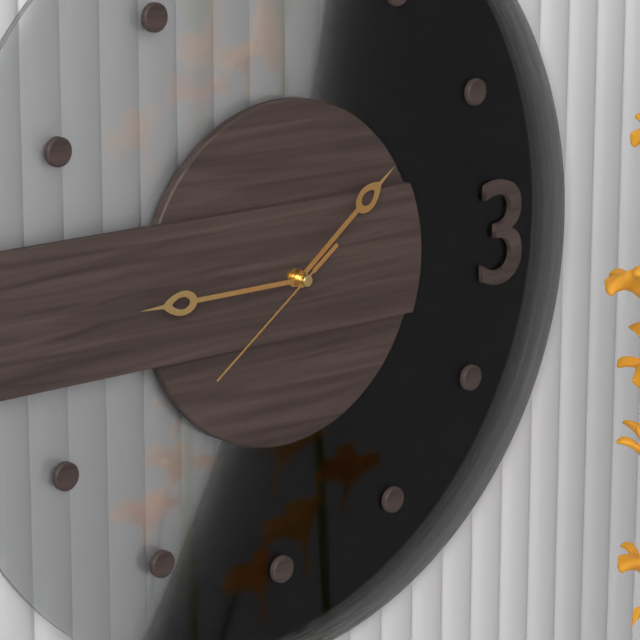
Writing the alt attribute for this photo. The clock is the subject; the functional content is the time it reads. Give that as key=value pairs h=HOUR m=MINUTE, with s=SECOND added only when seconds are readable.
h=1 m=45 s=39
